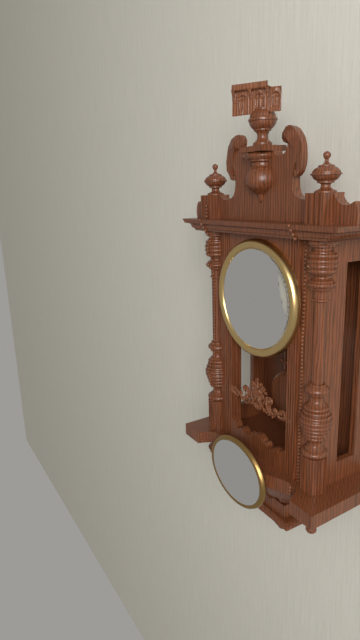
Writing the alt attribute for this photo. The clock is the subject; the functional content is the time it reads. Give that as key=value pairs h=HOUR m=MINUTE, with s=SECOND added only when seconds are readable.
h=12 m=4
